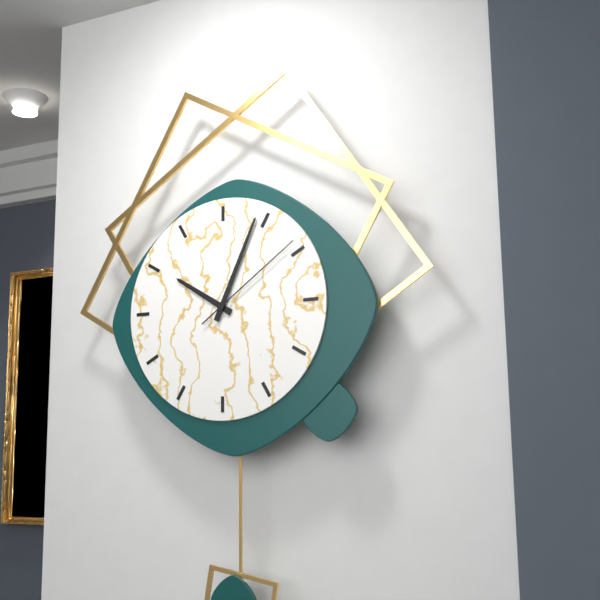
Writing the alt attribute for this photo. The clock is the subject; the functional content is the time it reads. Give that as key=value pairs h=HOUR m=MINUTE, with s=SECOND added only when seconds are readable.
h=10 m=4 s=9
